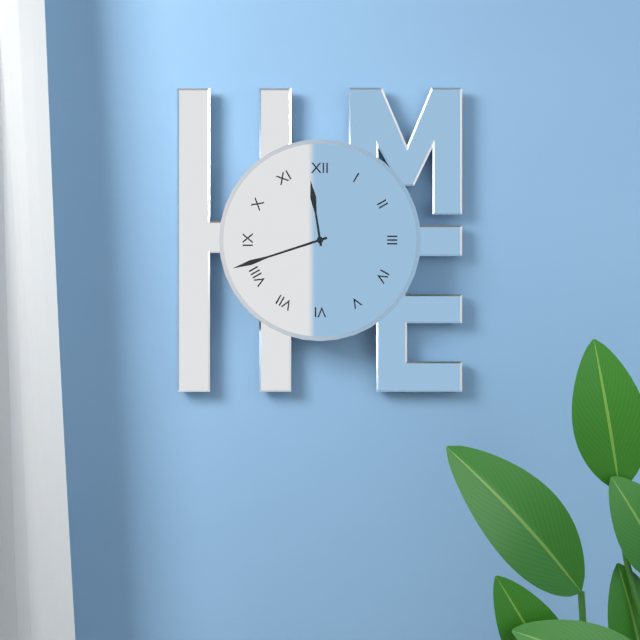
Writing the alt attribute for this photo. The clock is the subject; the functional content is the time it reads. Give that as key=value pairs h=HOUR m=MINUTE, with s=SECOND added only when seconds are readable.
h=11 m=42
